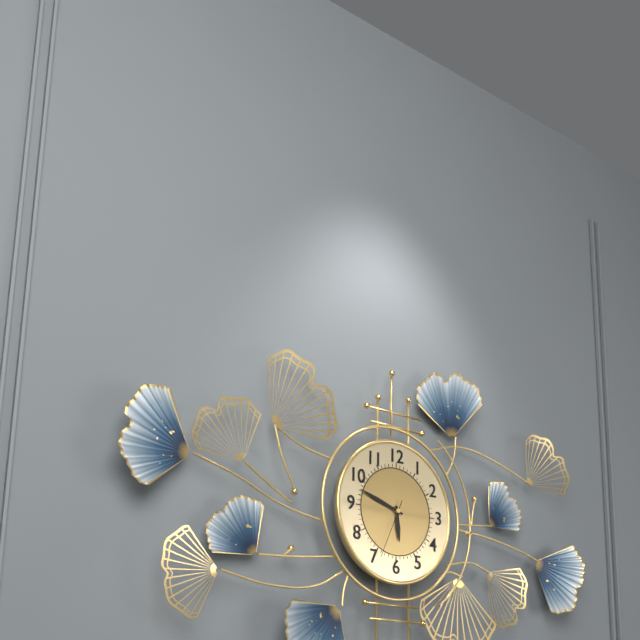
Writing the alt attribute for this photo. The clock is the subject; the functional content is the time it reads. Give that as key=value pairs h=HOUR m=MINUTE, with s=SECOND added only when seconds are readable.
h=5 m=48 s=34
